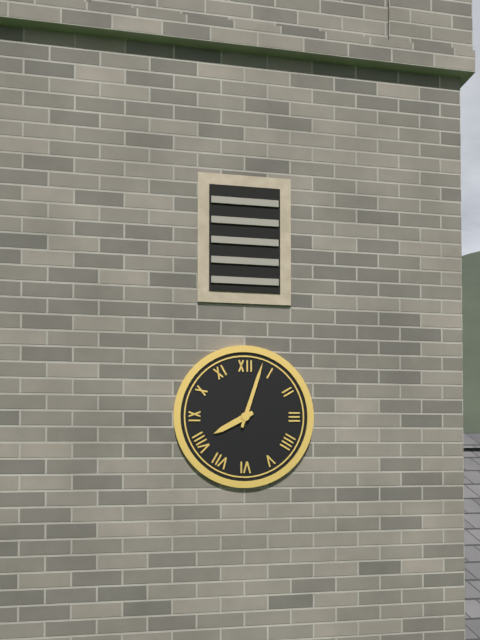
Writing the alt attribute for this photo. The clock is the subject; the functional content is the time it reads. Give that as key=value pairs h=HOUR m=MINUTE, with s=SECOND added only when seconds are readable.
h=8 m=3
